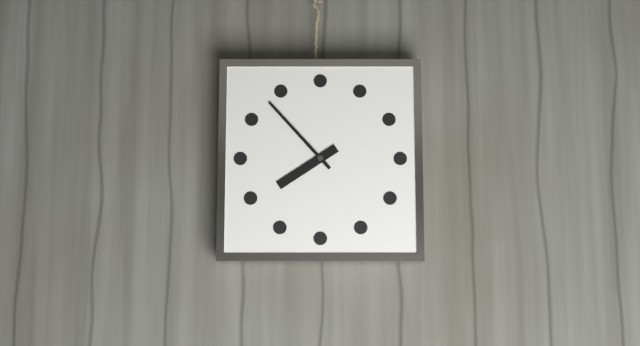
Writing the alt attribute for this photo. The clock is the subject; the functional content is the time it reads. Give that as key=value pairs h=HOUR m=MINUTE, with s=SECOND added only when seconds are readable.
h=7 m=53
